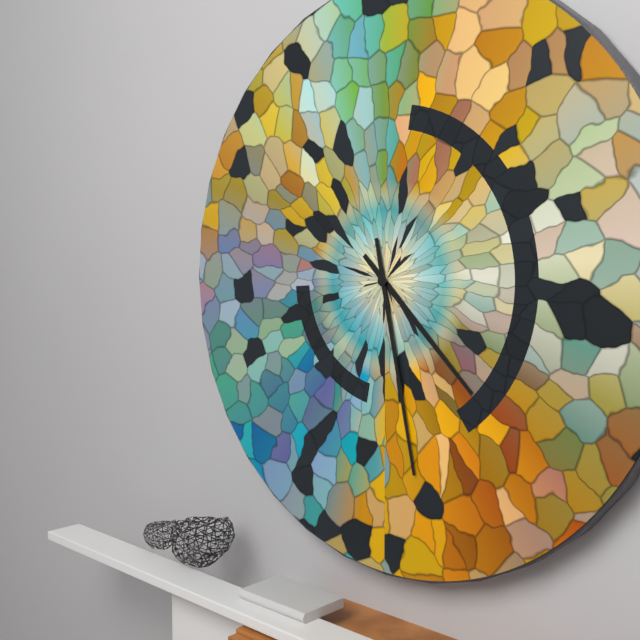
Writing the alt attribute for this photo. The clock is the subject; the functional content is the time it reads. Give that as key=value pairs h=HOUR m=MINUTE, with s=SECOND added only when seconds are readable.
h=4 m=28
